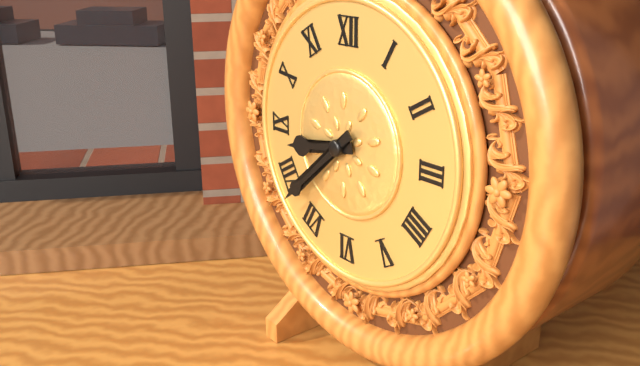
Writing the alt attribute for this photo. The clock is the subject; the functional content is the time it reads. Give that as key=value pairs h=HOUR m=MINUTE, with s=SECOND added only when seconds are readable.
h=8 m=38
